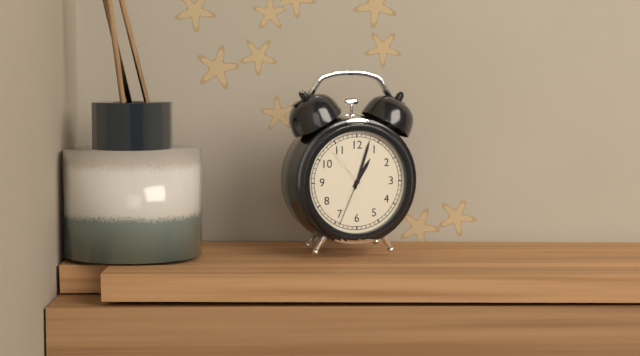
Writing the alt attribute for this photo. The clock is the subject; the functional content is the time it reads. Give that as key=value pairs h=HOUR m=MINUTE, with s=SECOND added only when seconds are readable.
h=1 m=3 s=34
